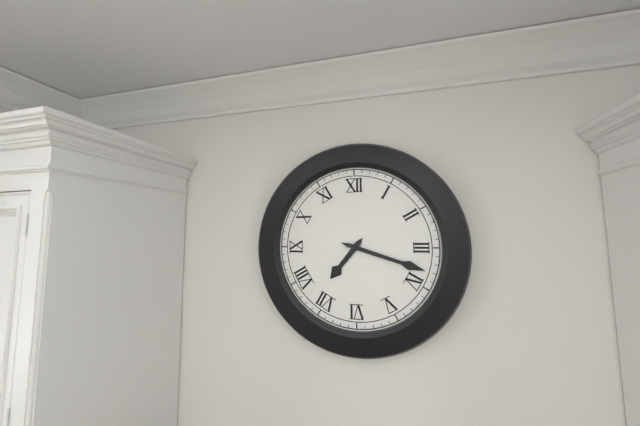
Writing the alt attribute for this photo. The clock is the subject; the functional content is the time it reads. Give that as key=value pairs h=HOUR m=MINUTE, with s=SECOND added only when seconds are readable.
h=7 m=18
